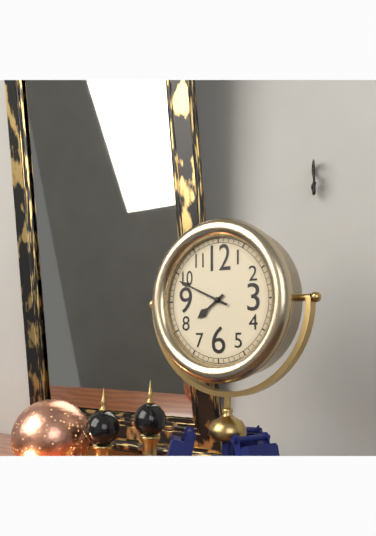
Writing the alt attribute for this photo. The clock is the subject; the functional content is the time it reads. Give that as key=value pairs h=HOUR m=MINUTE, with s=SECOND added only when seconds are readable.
h=7 m=49
